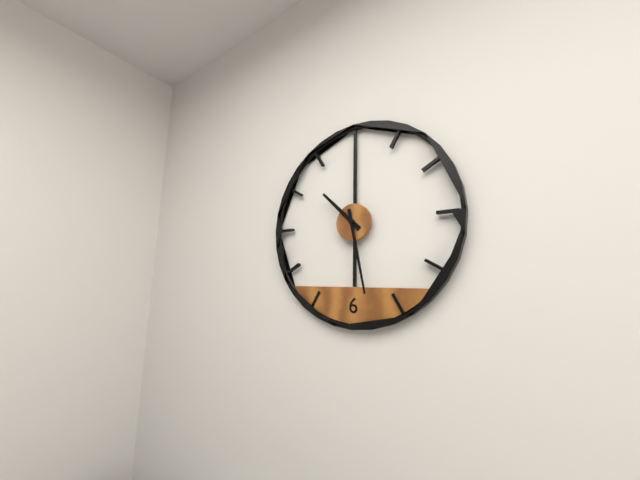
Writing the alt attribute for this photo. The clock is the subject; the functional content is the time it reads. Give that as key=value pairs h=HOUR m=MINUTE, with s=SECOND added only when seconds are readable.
h=10 m=28
